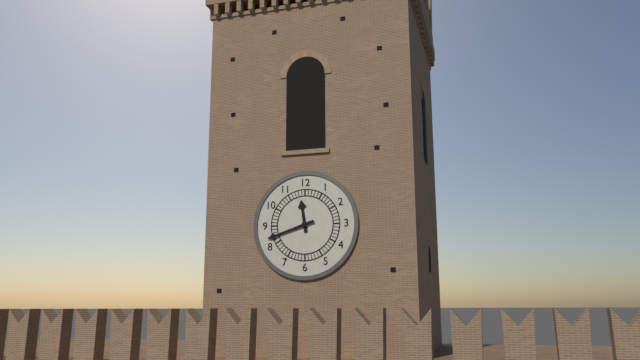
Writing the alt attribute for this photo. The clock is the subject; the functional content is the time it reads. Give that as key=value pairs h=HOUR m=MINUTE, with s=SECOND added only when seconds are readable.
h=11 m=42
